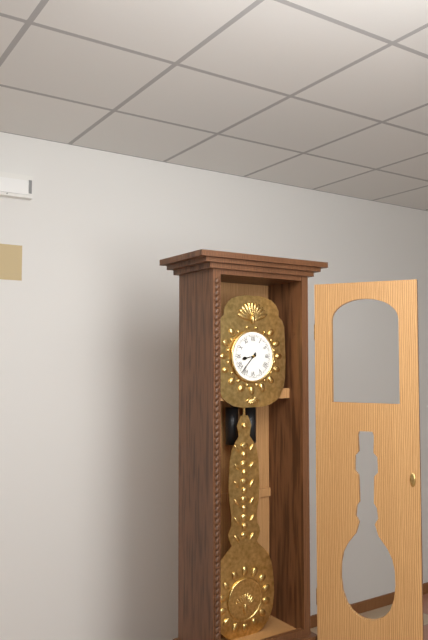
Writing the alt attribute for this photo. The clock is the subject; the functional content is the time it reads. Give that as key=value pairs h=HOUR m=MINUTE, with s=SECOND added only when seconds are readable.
h=8 m=37
